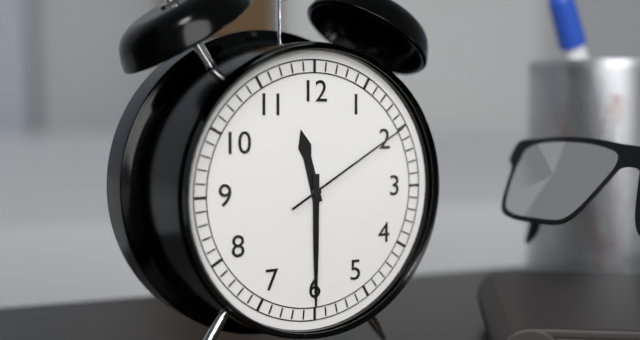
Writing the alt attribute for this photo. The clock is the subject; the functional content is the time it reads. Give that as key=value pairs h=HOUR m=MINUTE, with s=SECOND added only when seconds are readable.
h=11 m=30 s=10
